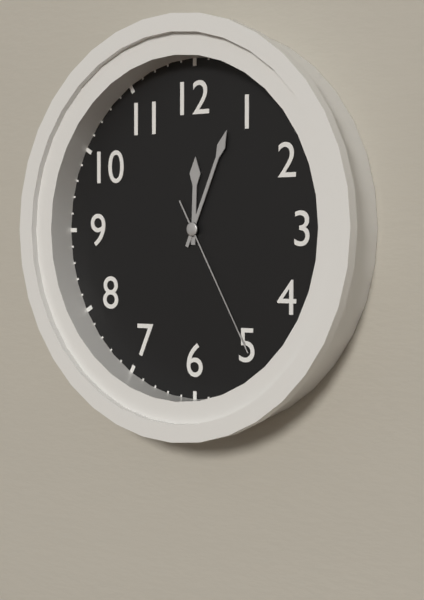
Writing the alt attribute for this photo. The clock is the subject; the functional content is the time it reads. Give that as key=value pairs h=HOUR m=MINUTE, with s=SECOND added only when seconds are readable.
h=12 m=4 s=25
